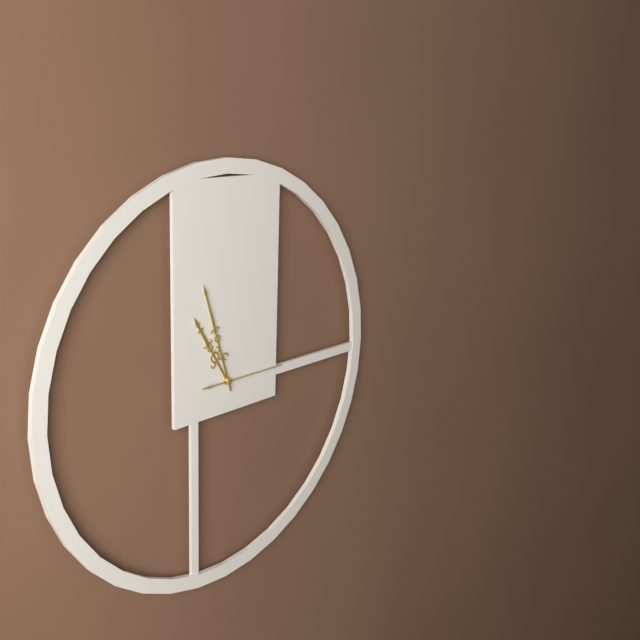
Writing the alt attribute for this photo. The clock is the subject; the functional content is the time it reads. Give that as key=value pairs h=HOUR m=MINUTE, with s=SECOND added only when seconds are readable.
h=10 m=57 s=15
